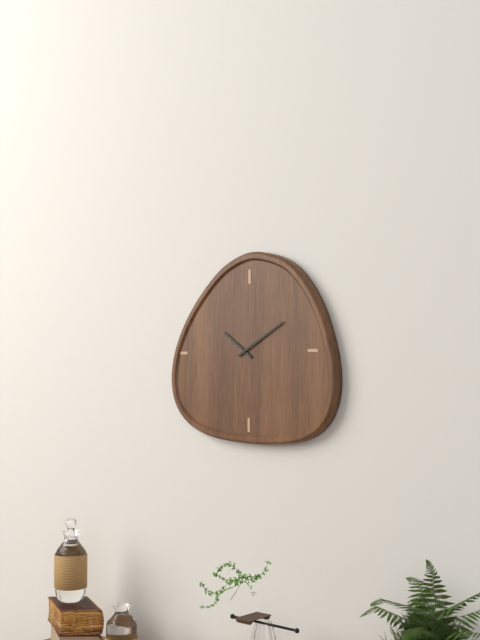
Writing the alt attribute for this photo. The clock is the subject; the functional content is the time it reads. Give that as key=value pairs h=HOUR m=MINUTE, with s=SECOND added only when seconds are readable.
h=10 m=10
